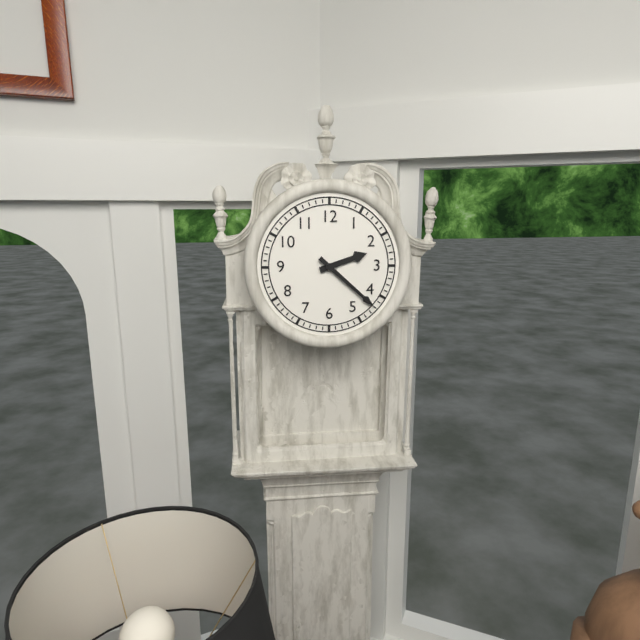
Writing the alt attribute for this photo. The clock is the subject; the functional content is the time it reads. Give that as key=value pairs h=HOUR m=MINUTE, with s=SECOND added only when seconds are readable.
h=2 m=22
